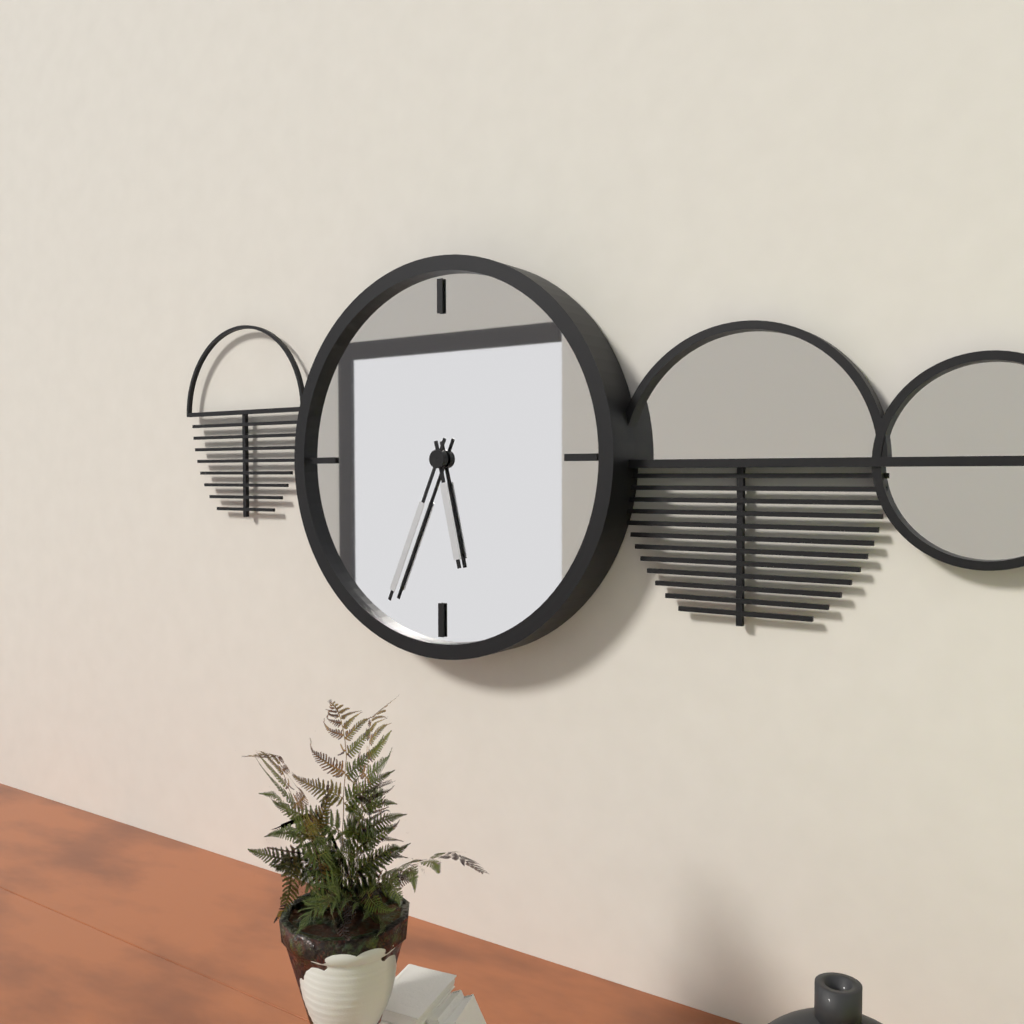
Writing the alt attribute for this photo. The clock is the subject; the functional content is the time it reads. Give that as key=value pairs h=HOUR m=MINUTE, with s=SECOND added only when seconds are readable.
h=5 m=34
